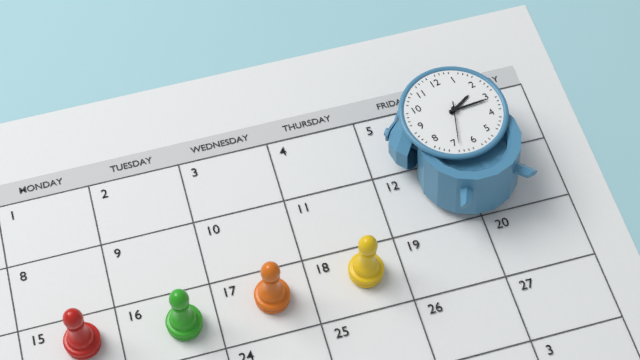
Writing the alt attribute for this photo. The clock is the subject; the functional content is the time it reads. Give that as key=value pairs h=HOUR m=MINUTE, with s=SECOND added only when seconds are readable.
h=2 m=16
